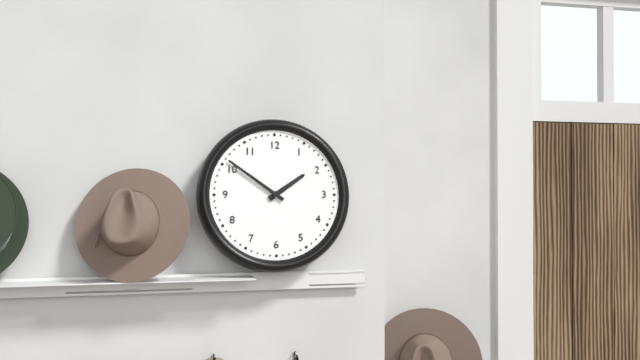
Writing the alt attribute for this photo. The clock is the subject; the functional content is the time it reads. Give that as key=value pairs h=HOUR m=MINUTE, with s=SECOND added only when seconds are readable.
h=1 m=51
